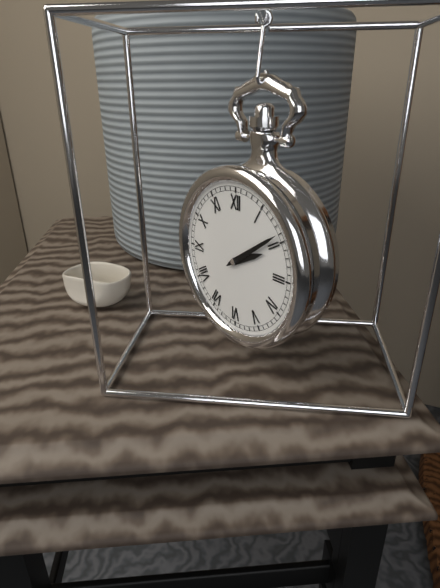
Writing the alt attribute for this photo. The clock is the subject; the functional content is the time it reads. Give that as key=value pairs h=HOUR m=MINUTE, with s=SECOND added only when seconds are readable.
h=2 m=9
